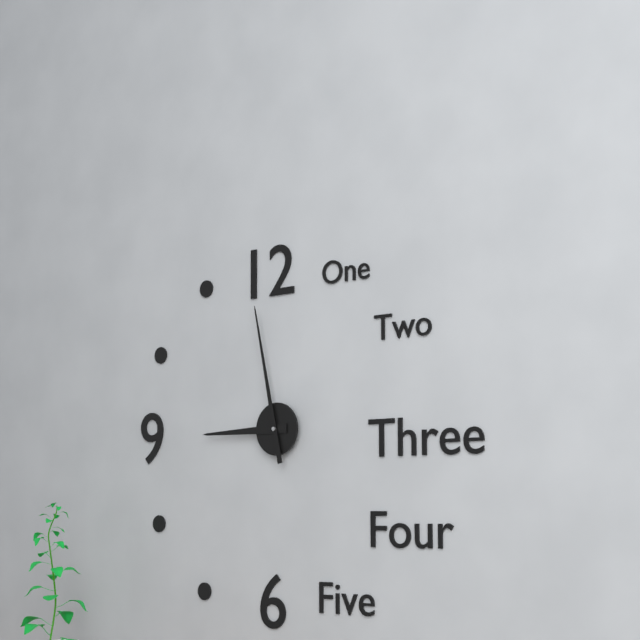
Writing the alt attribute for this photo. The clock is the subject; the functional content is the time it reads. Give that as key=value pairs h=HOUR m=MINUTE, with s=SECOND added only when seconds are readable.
h=8 m=58
